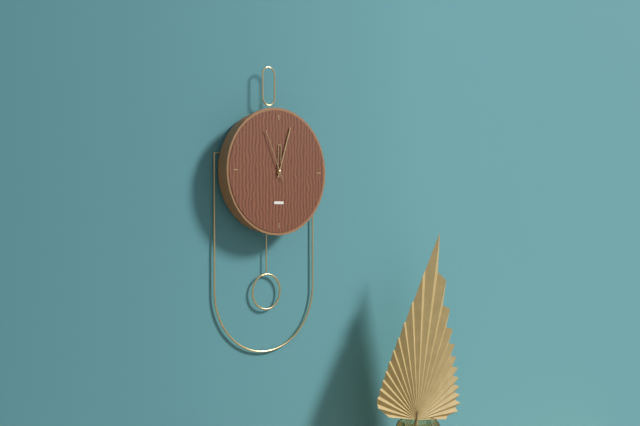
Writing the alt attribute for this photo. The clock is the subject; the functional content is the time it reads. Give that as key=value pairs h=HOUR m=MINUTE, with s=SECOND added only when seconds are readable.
h=12 m=3 s=56
